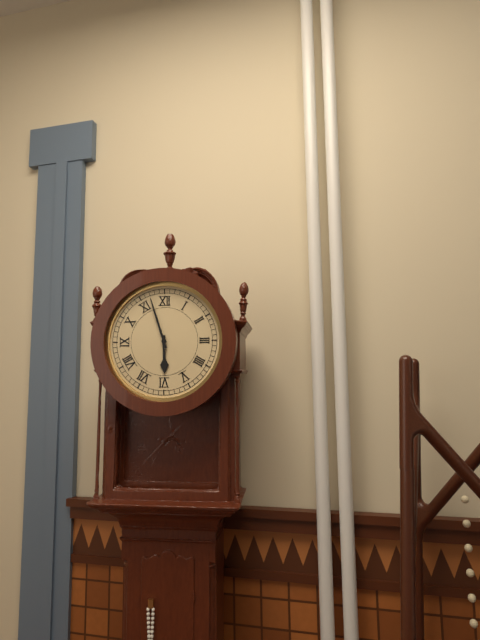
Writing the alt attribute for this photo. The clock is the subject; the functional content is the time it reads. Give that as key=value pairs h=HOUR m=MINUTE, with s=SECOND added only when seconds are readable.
h=5 m=57
